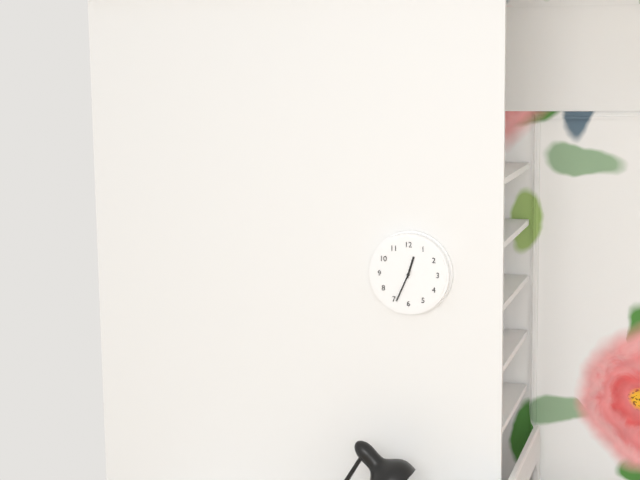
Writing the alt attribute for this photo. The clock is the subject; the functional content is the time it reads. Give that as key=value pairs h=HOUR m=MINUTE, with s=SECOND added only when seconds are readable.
h=12 m=34
